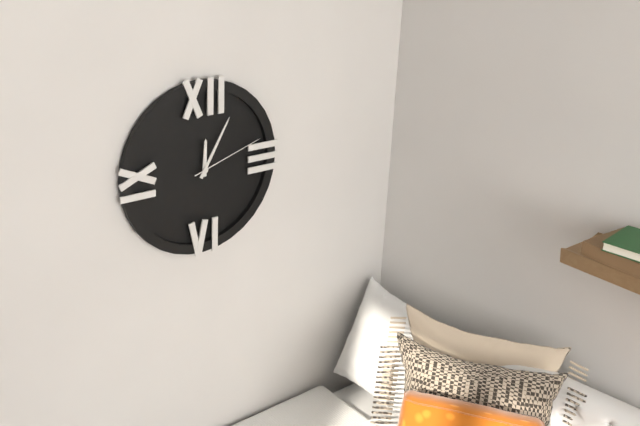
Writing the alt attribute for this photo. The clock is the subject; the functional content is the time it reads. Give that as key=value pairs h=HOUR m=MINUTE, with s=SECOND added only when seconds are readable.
h=12 m=5 s=12
